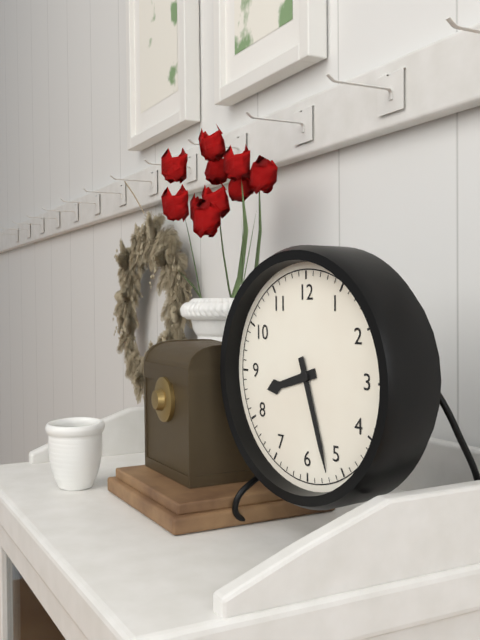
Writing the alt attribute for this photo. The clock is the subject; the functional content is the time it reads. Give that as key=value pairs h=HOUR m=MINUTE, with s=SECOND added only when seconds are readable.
h=8 m=27
